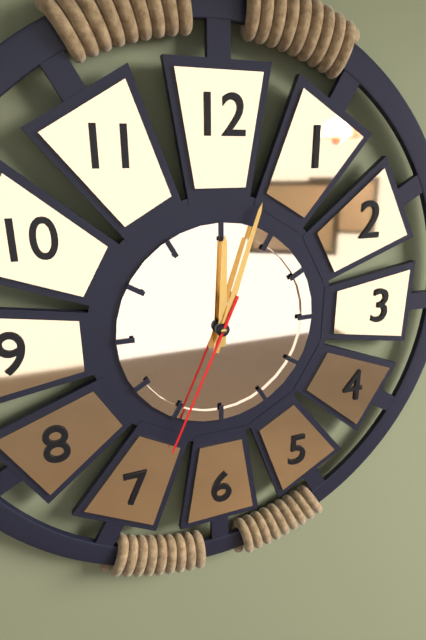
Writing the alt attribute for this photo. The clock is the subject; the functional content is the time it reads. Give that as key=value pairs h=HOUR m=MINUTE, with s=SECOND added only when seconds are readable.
h=12 m=3 s=34
